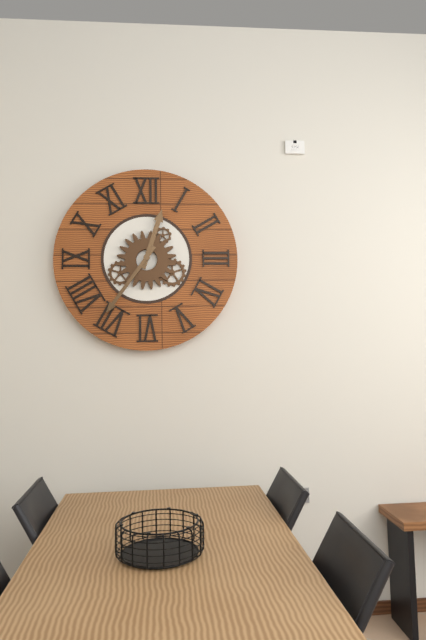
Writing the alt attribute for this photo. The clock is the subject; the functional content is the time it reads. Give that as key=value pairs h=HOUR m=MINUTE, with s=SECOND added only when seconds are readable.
h=12 m=36
